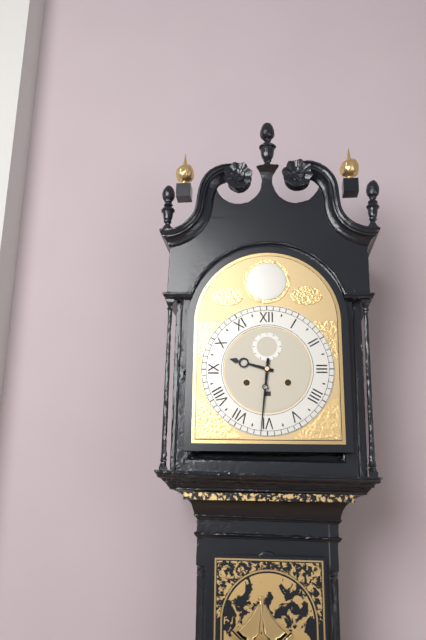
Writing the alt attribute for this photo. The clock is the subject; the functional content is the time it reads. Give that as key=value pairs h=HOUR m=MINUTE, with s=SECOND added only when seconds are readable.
h=9 m=31
